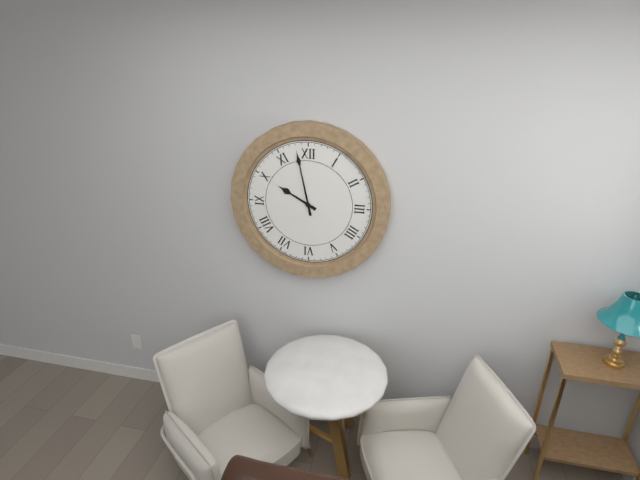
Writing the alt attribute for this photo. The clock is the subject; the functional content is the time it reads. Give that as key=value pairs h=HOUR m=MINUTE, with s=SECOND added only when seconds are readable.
h=9 m=58
